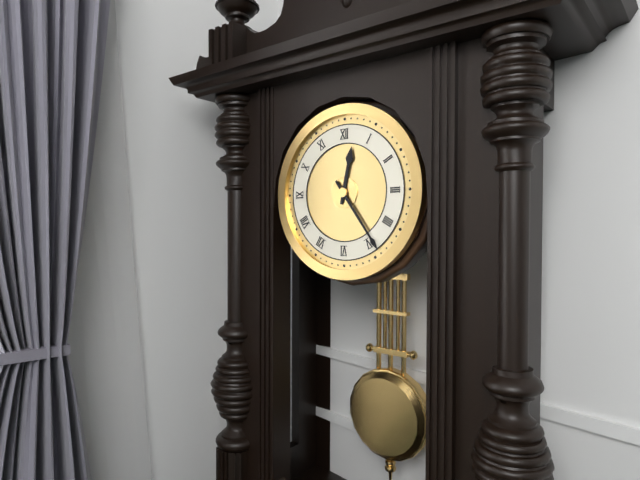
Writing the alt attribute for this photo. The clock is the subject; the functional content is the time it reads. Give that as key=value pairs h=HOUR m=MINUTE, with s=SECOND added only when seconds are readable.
h=12 m=24
